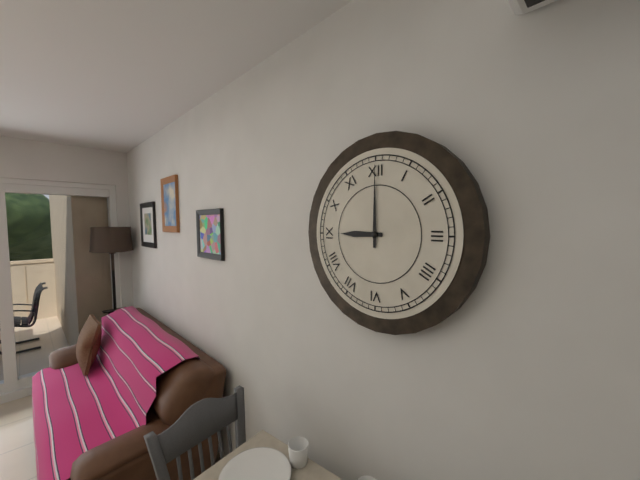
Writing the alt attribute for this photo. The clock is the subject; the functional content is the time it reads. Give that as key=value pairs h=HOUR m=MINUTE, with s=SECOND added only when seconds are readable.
h=9 m=0
